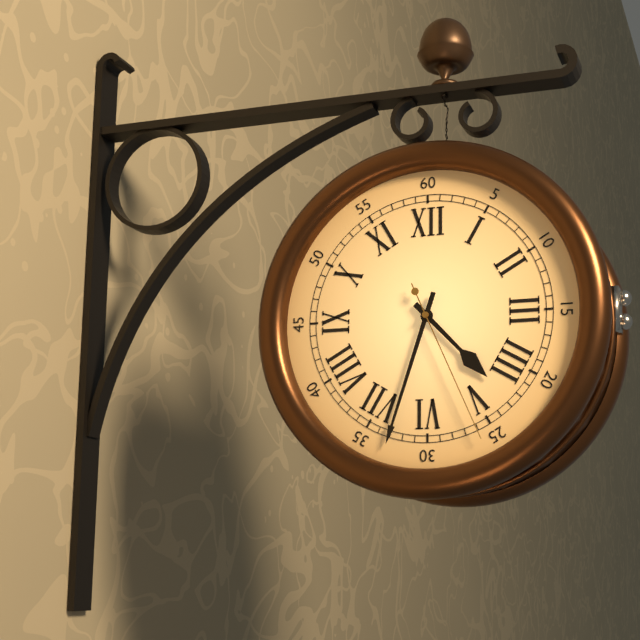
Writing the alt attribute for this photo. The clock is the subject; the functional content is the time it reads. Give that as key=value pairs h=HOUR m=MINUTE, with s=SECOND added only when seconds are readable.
h=4 m=33 s=26
